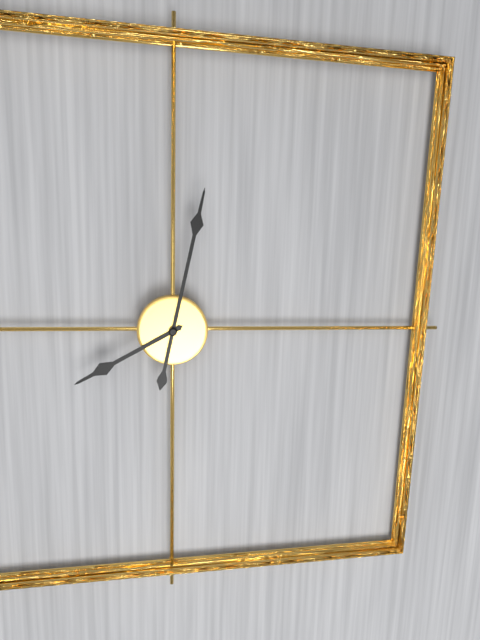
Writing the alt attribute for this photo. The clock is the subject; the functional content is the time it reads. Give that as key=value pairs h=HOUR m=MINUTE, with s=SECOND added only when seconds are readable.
h=8 m=2
